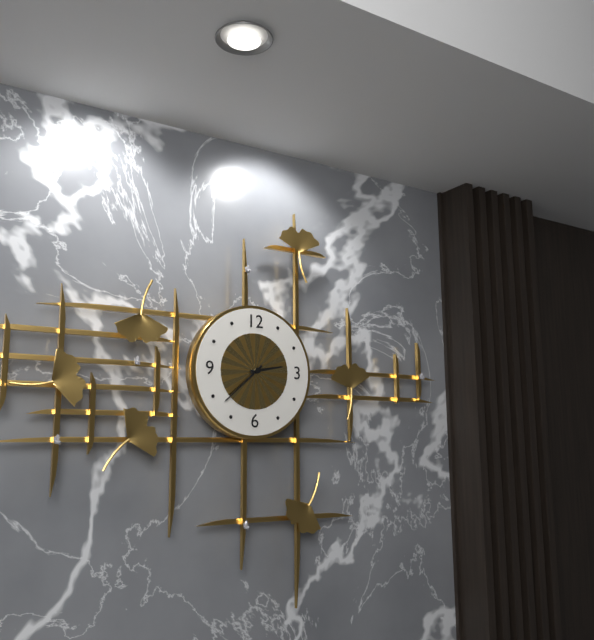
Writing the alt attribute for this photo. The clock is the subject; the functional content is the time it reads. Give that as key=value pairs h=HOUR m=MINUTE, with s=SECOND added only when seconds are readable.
h=2 m=38
